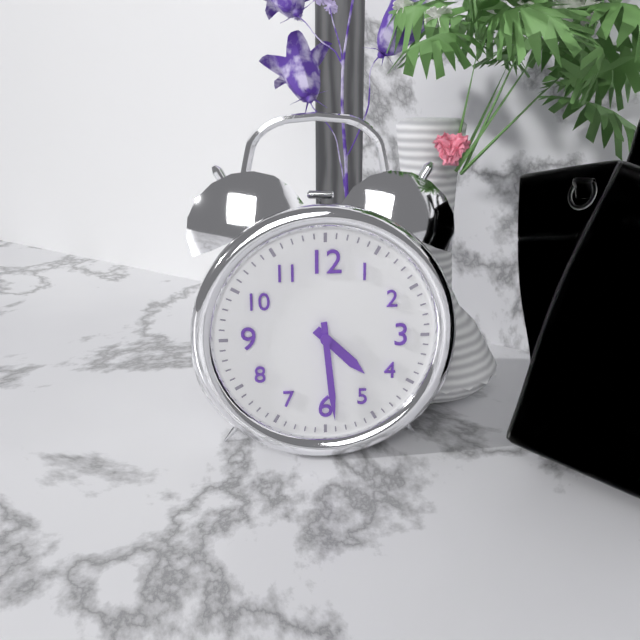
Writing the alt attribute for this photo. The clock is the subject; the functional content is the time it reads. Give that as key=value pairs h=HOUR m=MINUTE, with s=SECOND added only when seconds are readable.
h=4 m=29
